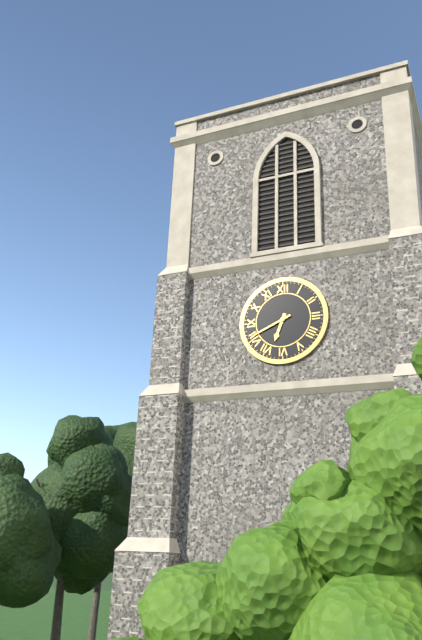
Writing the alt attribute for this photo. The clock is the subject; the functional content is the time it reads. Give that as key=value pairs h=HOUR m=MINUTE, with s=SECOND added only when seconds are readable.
h=6 m=41
